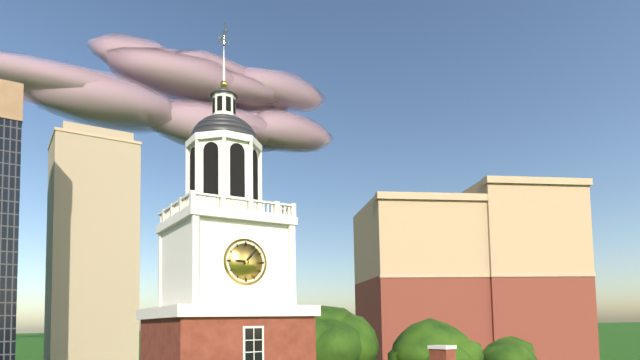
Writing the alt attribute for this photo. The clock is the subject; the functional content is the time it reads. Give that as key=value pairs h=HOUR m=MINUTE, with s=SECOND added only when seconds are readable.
h=9 m=7
